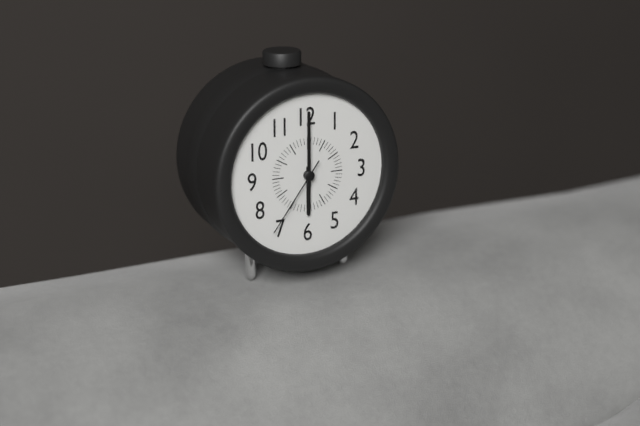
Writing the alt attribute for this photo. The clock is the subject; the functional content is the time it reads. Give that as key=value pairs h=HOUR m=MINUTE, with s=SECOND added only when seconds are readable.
h=6 m=0 s=36
